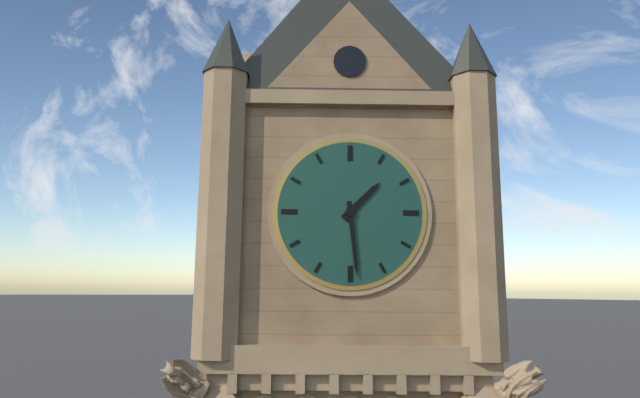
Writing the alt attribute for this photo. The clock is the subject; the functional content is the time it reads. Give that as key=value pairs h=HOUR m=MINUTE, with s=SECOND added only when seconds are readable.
h=1 m=29
